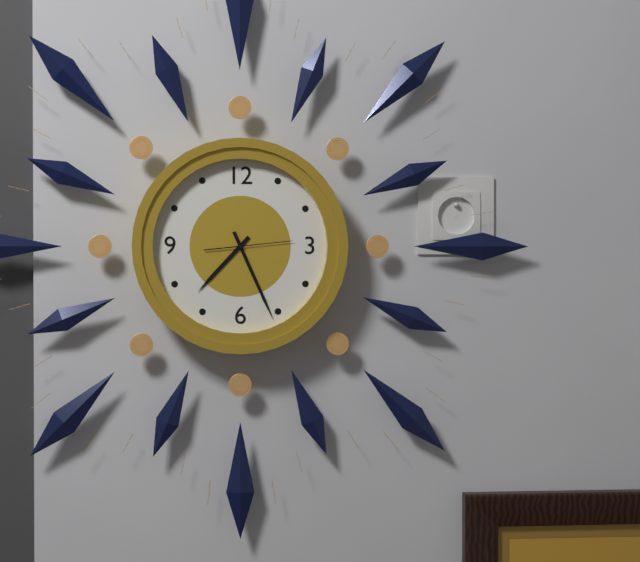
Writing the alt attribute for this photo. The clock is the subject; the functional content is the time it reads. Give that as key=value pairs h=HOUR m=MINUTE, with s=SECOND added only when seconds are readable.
h=7 m=26 s=14
